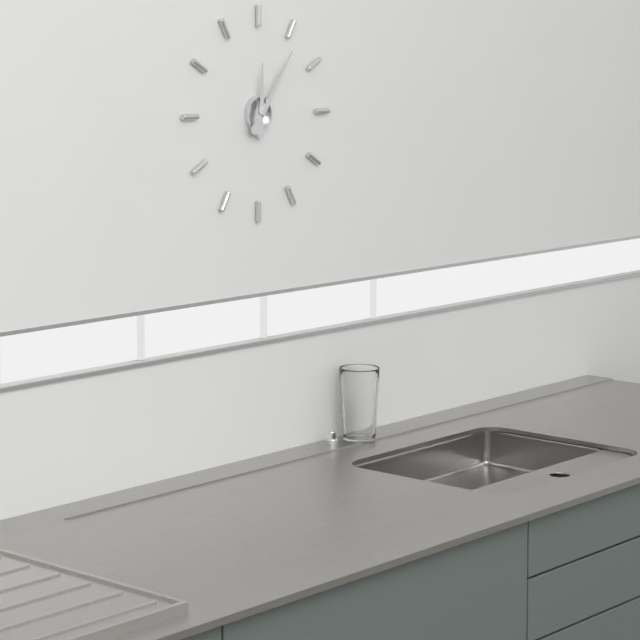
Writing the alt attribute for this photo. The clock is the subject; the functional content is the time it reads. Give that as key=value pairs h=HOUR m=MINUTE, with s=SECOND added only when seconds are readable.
h=12 m=6
